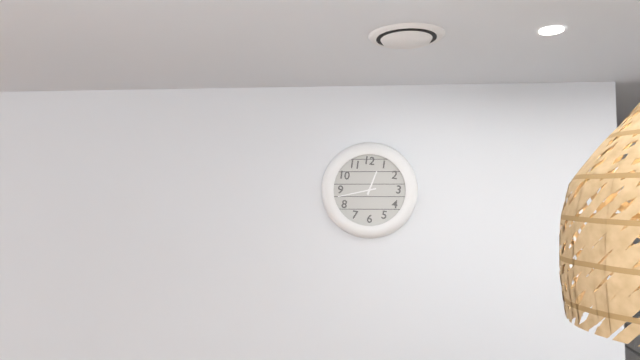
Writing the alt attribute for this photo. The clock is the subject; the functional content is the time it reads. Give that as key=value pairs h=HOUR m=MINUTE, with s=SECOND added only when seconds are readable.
h=12 m=43
